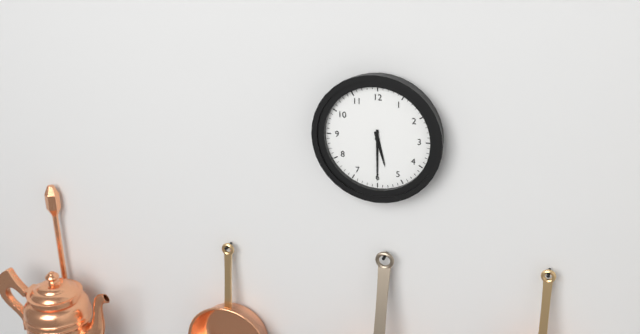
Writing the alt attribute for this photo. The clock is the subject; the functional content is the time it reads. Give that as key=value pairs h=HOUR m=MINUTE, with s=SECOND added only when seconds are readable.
h=5 m=30
